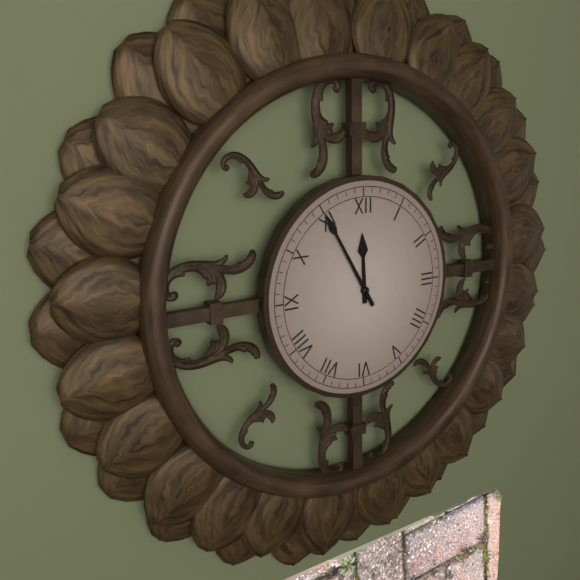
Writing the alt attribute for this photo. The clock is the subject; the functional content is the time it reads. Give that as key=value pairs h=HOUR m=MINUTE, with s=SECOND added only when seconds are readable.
h=11 m=55
